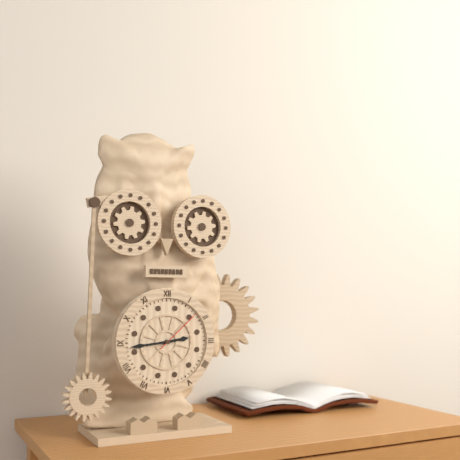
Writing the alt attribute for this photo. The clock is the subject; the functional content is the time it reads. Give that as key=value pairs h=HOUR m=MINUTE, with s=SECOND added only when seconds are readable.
h=2 m=44 s=8
